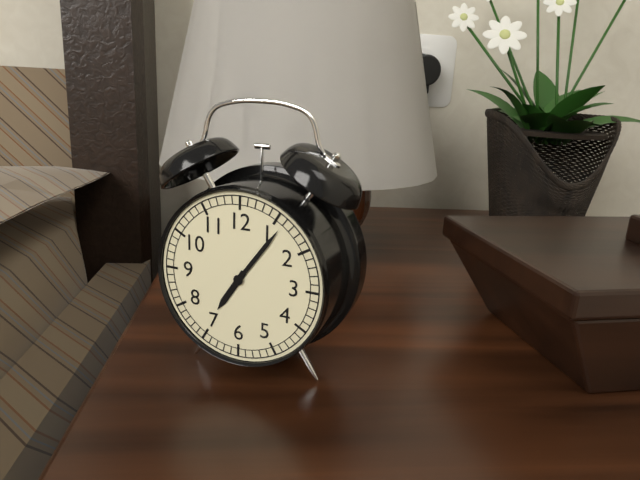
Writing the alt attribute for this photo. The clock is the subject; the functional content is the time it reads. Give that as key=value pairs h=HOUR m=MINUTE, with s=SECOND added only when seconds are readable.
h=7 m=6
